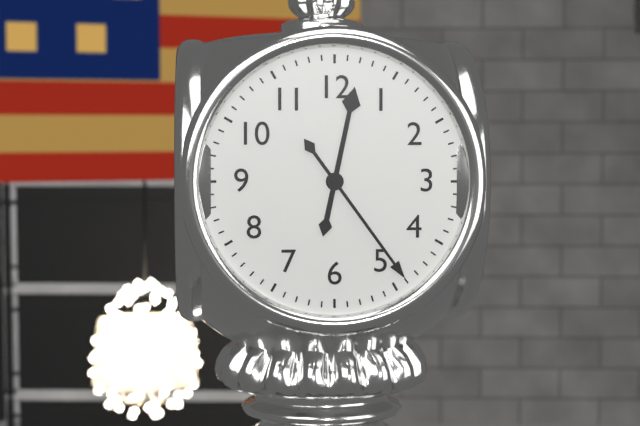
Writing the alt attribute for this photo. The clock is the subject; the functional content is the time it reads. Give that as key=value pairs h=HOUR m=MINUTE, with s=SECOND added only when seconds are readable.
h=12 m=24
